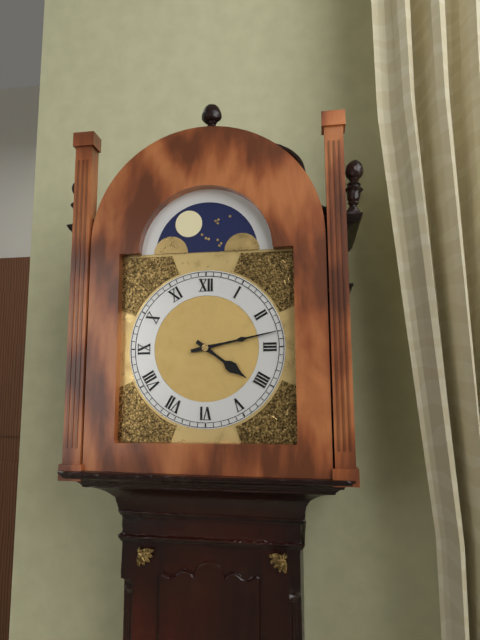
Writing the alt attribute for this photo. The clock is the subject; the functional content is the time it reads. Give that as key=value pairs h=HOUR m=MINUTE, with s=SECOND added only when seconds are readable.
h=4 m=13
